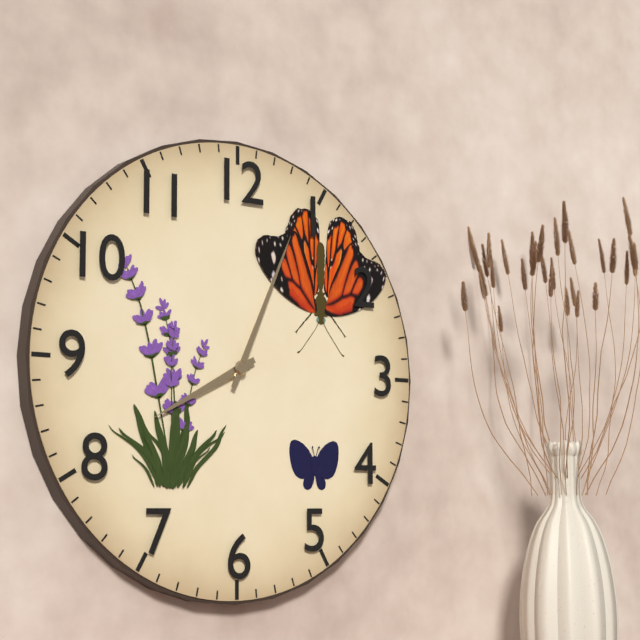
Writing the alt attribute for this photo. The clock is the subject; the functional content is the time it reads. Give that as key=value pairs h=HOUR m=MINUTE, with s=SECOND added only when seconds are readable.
h=8 m=4
